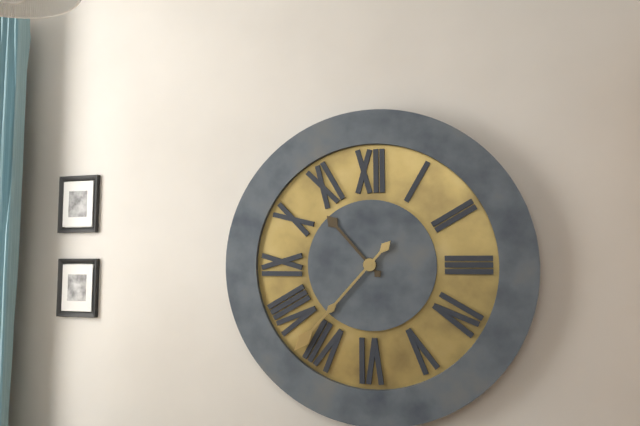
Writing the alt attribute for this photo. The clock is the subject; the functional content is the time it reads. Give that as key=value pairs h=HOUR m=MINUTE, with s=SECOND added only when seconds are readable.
h=10 m=37
